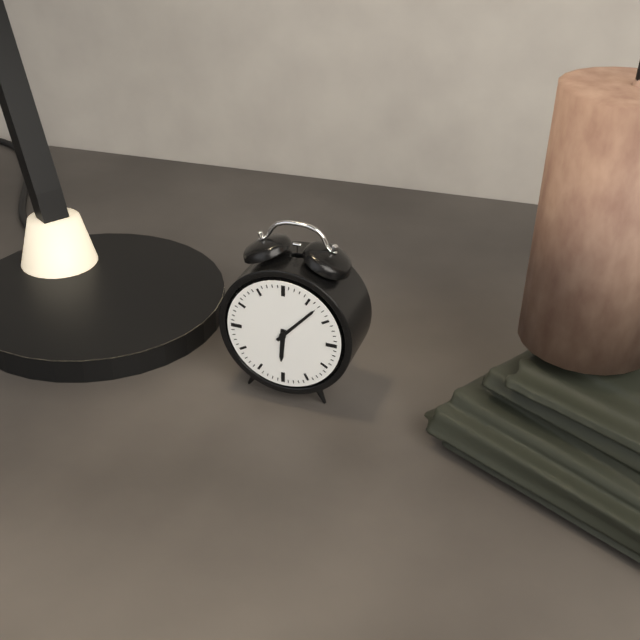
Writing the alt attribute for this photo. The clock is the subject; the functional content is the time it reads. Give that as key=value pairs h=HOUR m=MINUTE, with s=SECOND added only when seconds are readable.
h=6 m=7
